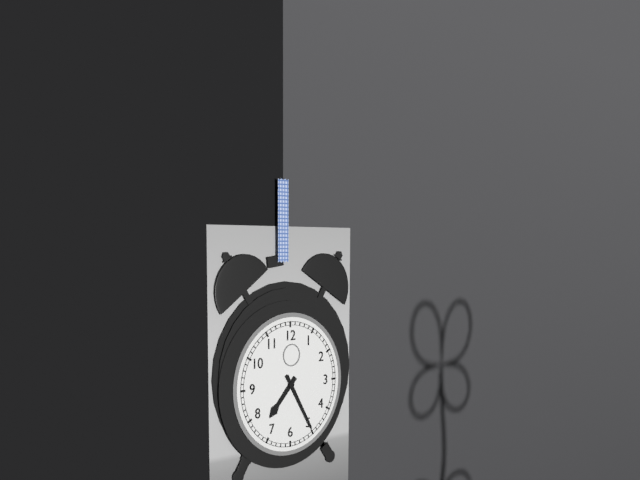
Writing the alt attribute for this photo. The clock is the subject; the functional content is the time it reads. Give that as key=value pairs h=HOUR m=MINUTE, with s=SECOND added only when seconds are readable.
h=7 m=25
